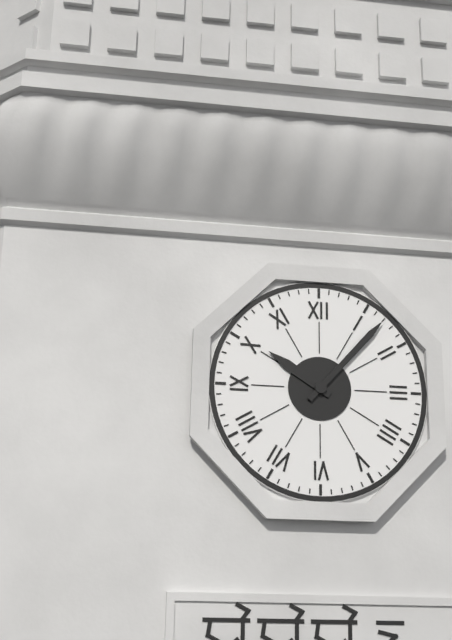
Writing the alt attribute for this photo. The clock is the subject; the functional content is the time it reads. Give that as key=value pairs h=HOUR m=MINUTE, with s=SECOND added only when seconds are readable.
h=10 m=7
